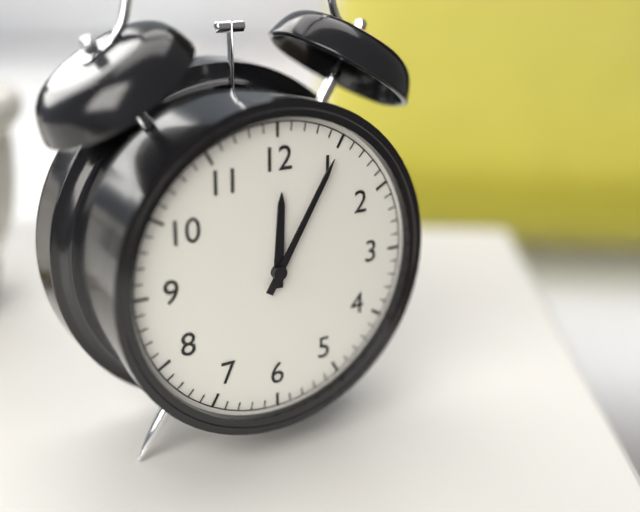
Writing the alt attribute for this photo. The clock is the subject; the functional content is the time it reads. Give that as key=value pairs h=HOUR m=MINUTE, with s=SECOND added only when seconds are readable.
h=12 m=5
